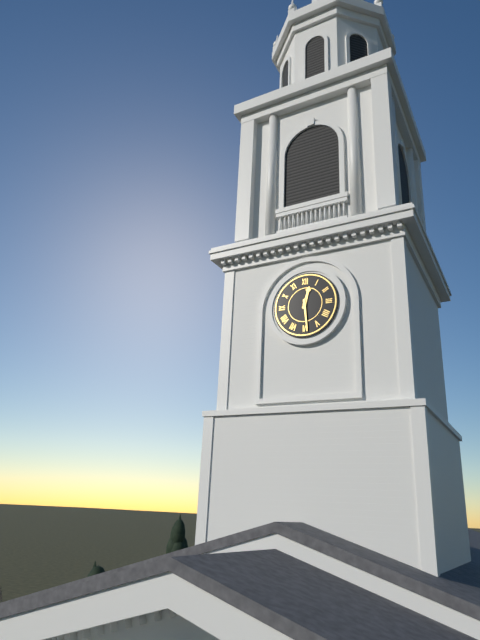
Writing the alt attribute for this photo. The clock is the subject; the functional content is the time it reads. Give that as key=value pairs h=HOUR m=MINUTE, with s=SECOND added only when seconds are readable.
h=12 m=29
